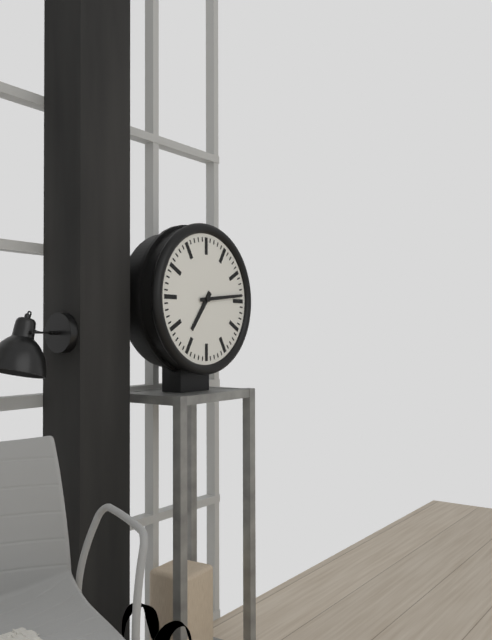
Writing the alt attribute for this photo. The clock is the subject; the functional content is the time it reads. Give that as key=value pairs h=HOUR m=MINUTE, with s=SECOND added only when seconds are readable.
h=7 m=14
